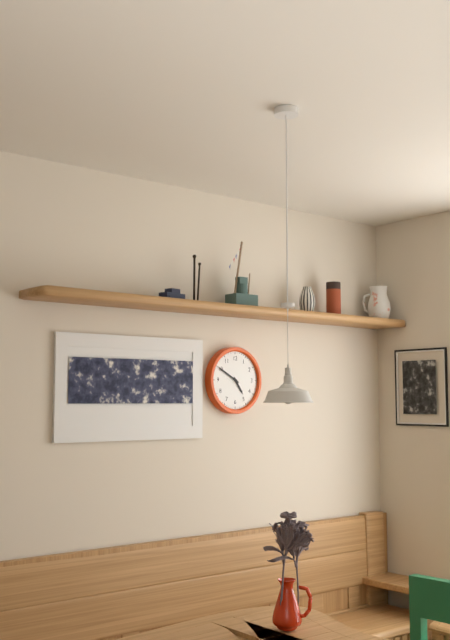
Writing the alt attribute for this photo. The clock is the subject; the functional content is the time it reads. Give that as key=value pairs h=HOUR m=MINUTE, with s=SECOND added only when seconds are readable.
h=4 m=50
